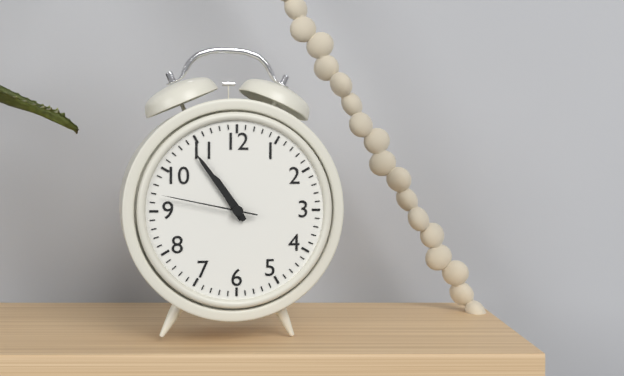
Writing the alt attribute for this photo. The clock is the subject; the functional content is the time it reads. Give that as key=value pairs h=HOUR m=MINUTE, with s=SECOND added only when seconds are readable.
h=10 m=54 s=47
